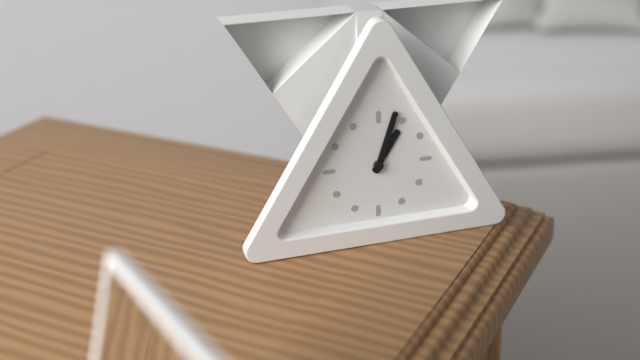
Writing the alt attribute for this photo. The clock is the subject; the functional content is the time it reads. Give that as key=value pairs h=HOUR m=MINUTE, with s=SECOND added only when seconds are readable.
h=1 m=3
